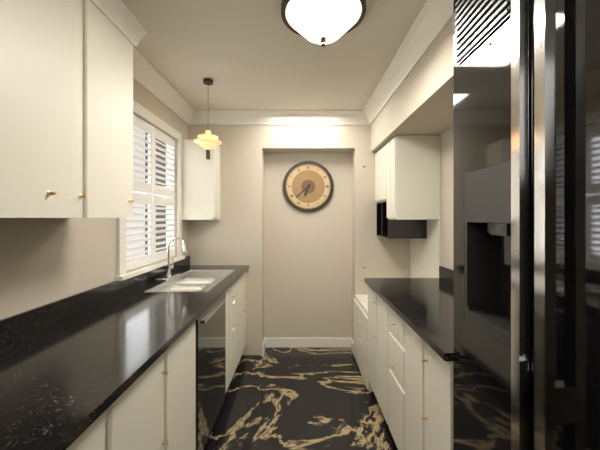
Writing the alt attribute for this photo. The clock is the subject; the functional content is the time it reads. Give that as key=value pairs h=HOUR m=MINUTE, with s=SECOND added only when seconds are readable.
h=6 m=38
